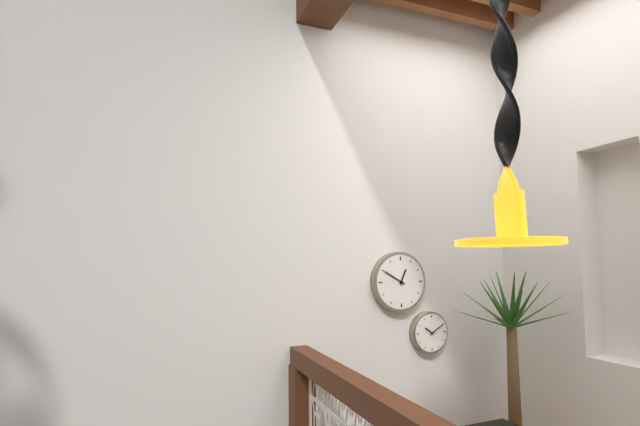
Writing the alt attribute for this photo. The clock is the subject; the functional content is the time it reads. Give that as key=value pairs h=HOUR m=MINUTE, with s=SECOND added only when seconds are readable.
h=12 m=50
